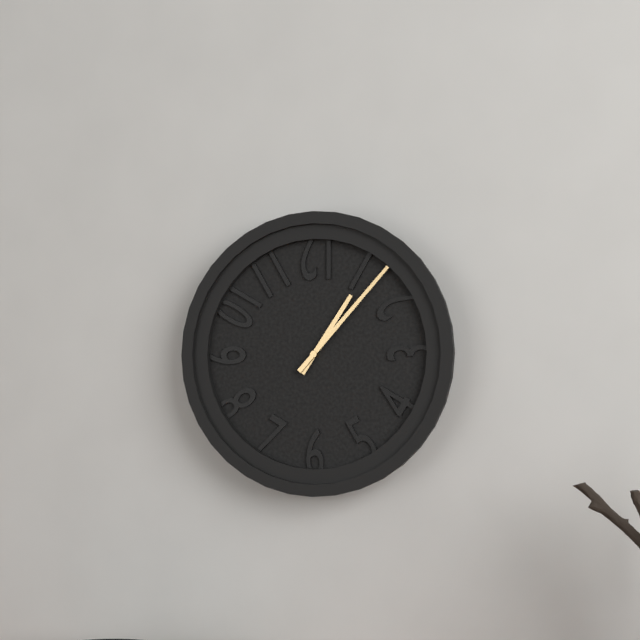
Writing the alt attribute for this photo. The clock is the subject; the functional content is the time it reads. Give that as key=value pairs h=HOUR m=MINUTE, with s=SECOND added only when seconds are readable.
h=1 m=7
